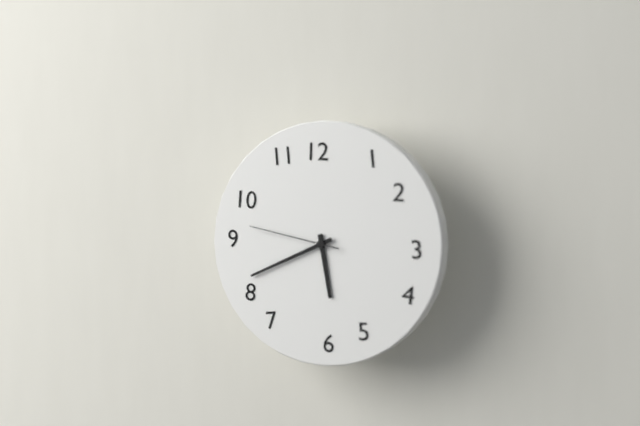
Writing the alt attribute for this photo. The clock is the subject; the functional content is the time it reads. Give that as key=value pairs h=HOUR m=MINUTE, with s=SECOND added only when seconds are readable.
h=5 m=41 s=47
